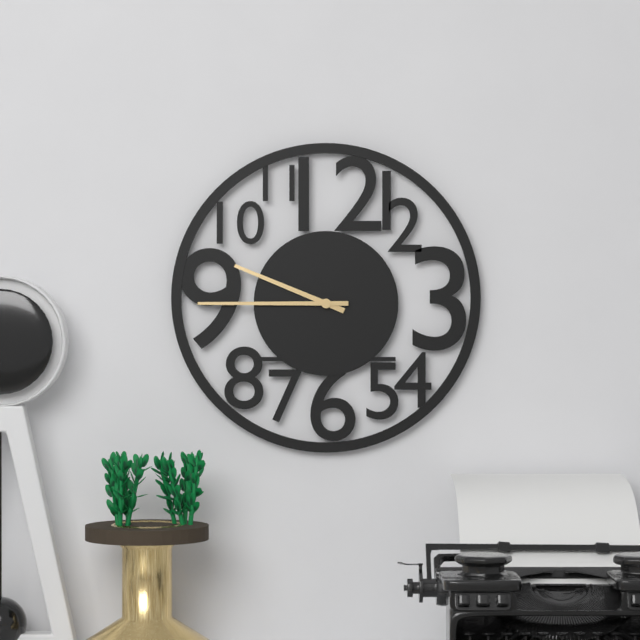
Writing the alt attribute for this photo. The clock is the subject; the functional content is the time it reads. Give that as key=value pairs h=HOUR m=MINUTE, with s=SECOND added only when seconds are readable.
h=9 m=45
